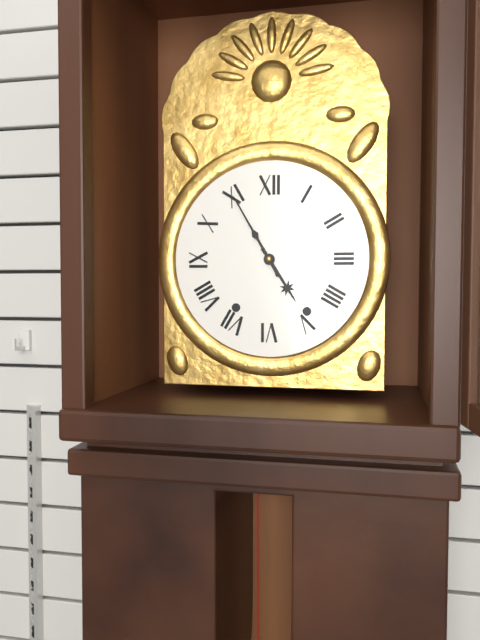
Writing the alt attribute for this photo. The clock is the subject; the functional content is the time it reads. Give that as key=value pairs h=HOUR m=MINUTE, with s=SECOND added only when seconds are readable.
h=4 m=55
